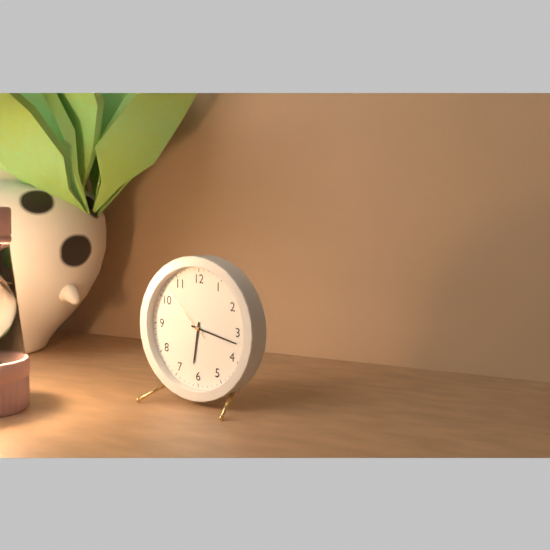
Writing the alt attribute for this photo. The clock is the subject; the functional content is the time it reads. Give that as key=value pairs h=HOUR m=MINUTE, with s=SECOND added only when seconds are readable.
h=6 m=17 s=52
